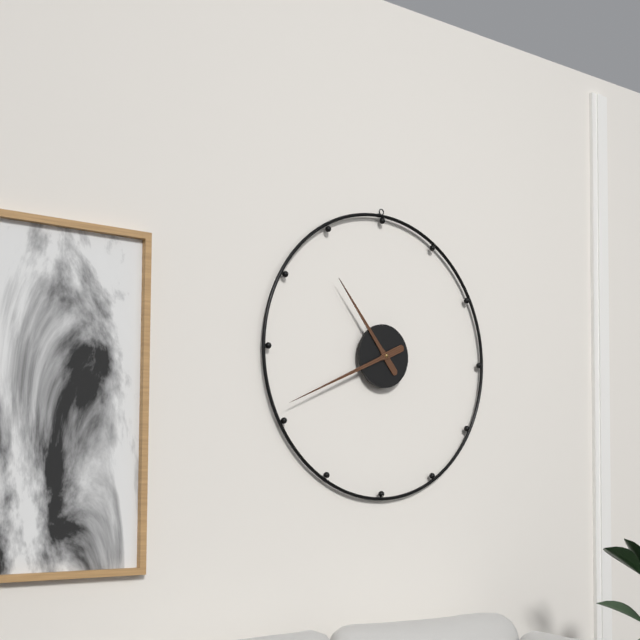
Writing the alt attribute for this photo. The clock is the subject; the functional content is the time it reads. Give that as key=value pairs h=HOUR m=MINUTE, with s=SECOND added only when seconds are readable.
h=10 m=41
